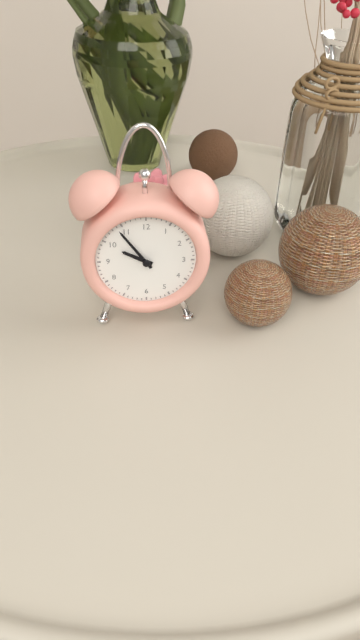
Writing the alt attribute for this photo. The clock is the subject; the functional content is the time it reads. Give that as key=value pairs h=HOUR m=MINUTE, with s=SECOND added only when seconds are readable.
h=9 m=54
